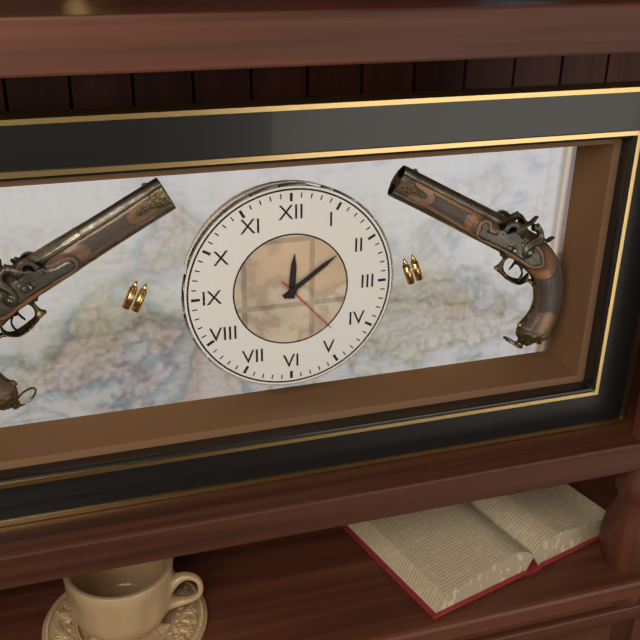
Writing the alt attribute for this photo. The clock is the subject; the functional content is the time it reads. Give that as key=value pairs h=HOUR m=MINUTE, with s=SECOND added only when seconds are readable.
h=12 m=9 s=23
